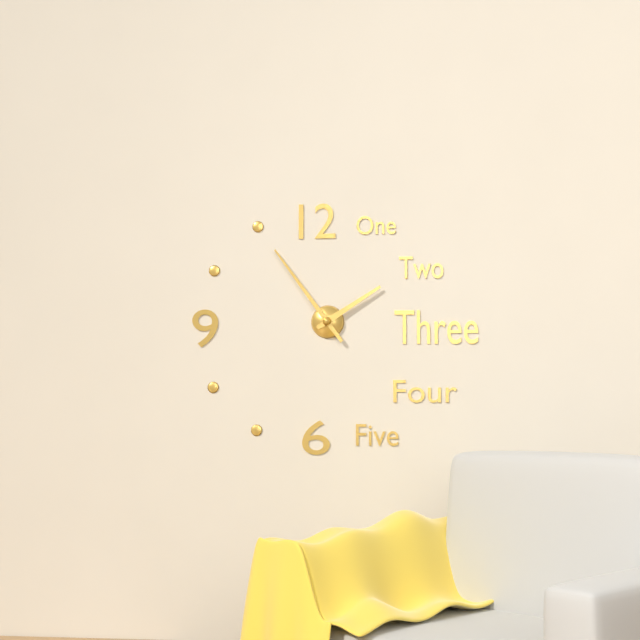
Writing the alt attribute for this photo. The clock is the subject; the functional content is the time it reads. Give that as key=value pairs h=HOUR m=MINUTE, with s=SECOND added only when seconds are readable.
h=1 m=54
